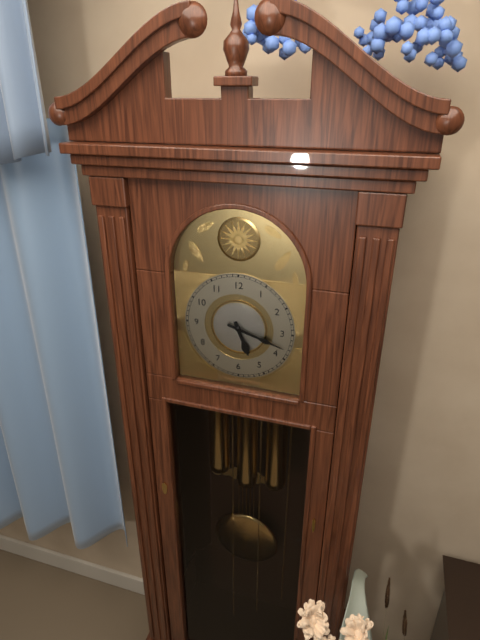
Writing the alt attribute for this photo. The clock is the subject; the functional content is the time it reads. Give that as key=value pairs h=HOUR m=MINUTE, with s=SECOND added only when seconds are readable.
h=5 m=18
